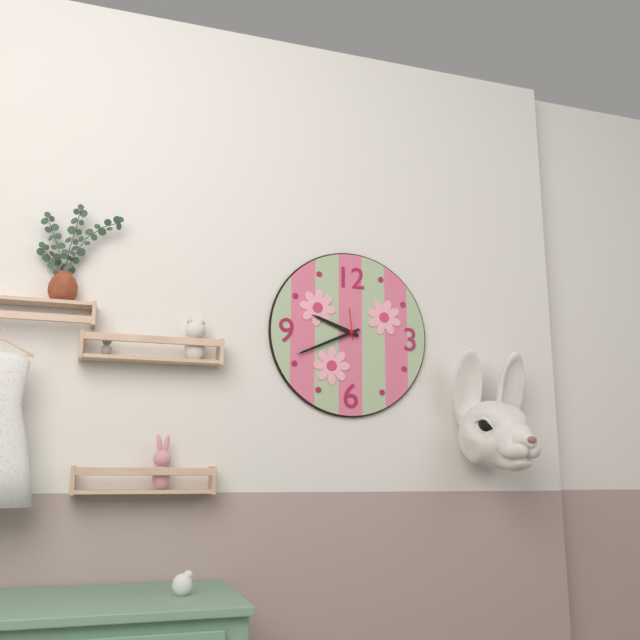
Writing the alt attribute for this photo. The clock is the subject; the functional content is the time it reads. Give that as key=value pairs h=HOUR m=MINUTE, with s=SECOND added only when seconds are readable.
h=9 m=41
